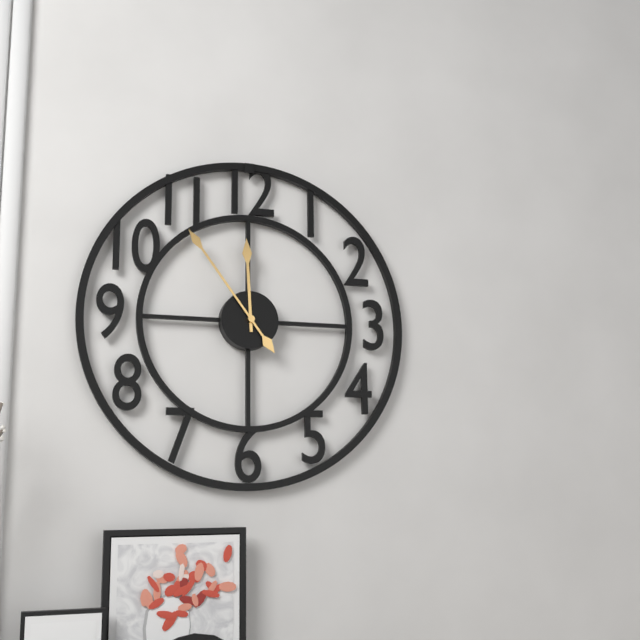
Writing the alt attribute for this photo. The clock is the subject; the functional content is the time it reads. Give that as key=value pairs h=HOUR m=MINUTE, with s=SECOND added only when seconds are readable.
h=11 m=54
